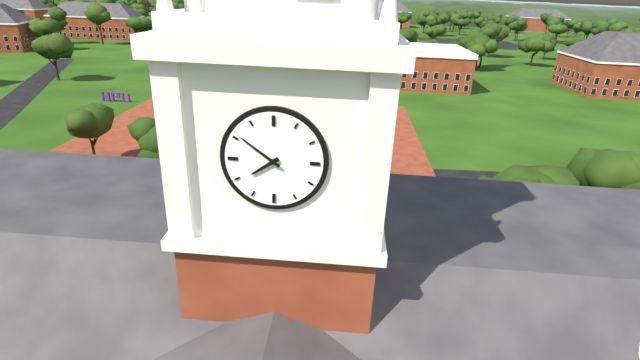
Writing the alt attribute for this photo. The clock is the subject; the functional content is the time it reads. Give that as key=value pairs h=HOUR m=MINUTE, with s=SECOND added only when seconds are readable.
h=7 m=51
